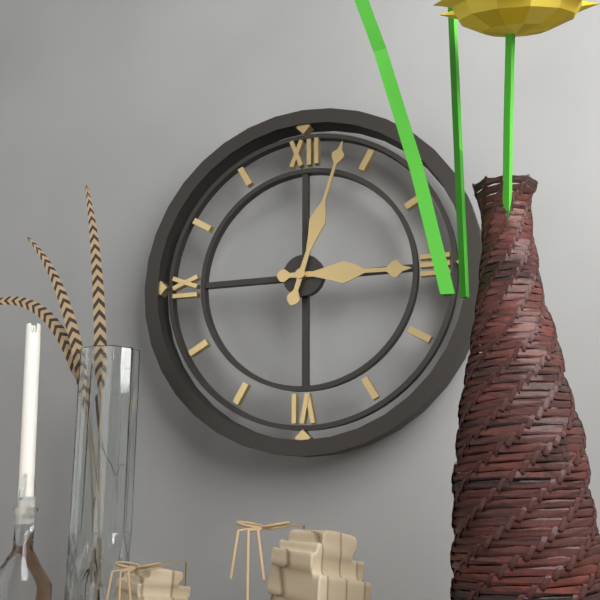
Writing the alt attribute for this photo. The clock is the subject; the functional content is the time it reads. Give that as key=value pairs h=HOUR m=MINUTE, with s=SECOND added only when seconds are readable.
h=3 m=3
